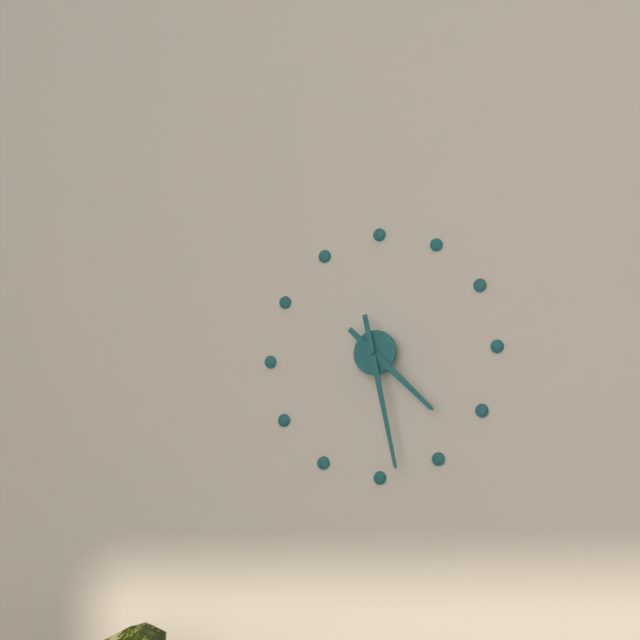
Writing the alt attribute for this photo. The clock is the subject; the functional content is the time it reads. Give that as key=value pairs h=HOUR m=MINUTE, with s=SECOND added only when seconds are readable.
h=4 m=28
